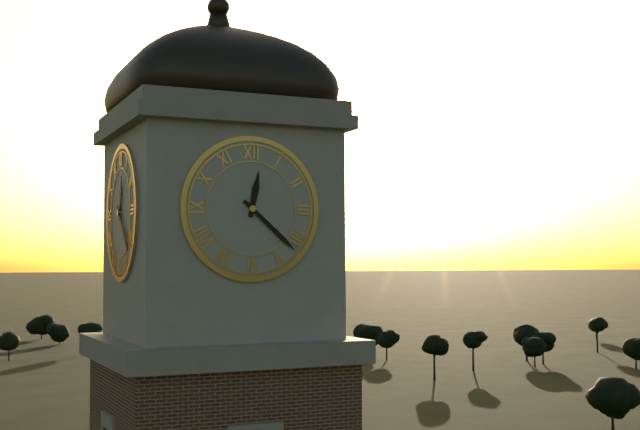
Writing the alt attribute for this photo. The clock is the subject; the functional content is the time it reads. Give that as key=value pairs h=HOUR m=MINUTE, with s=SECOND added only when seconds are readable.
h=12 m=22
